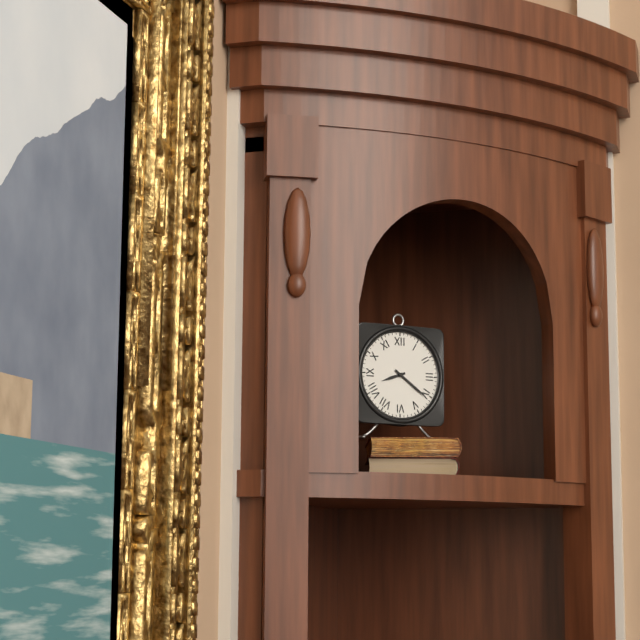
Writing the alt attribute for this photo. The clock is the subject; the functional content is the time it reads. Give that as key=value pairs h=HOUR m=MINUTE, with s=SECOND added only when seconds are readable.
h=8 m=21
